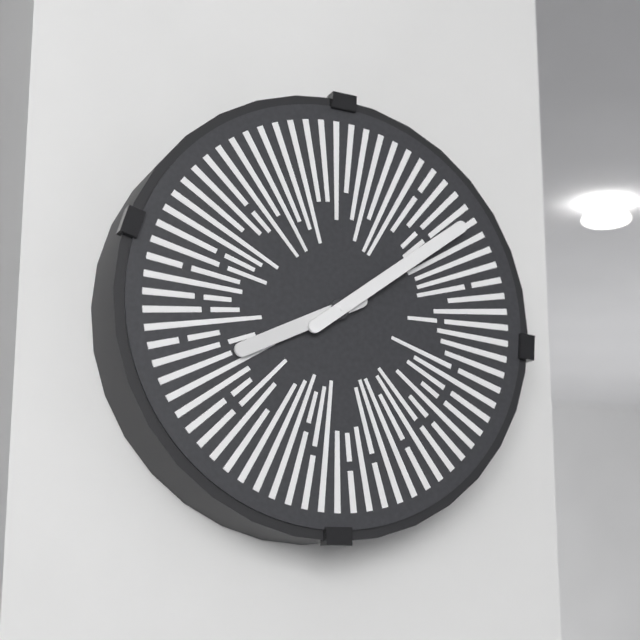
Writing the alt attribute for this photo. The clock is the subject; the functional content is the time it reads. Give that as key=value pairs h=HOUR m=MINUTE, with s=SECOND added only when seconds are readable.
h=8 m=9
